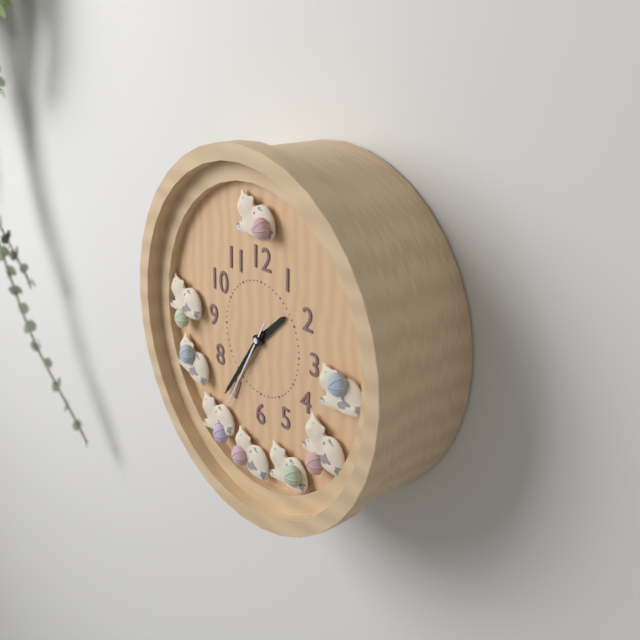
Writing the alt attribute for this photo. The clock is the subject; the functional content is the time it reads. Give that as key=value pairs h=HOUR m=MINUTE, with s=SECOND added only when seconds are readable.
h=1 m=36 s=35
